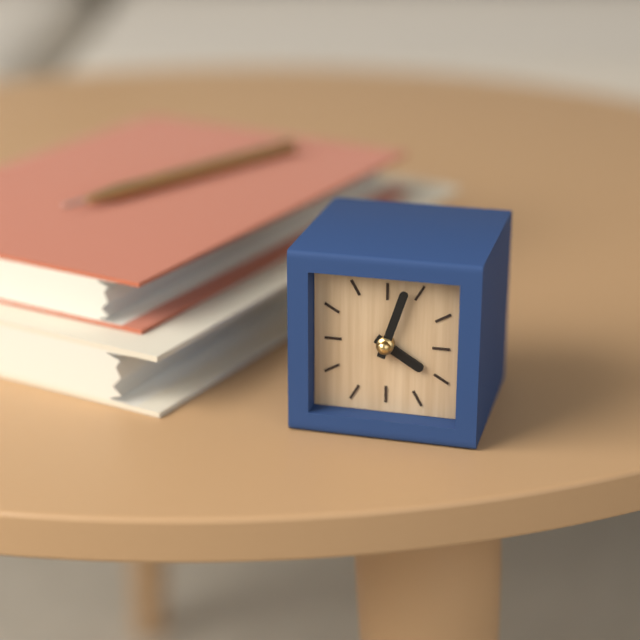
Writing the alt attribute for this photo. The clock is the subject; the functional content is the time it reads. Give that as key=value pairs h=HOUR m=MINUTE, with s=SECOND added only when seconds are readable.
h=4 m=3
